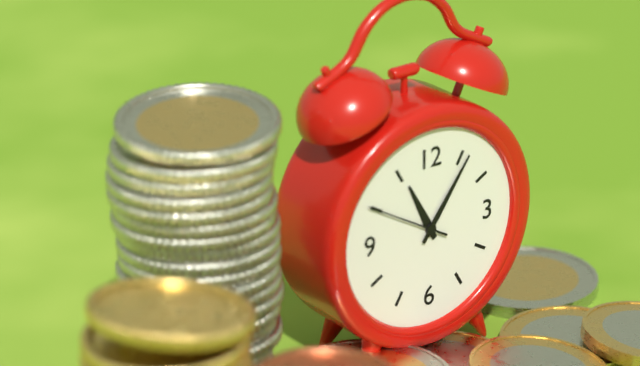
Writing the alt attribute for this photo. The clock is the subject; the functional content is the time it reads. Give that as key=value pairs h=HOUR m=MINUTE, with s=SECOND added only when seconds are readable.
h=11 m=6
